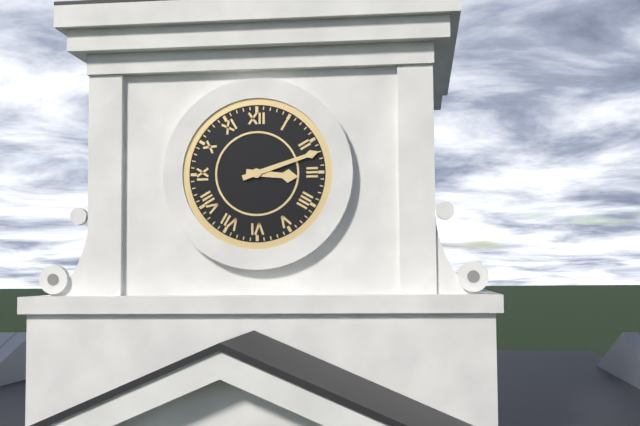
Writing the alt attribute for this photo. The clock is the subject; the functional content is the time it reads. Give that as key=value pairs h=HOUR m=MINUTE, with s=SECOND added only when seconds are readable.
h=3 m=12
